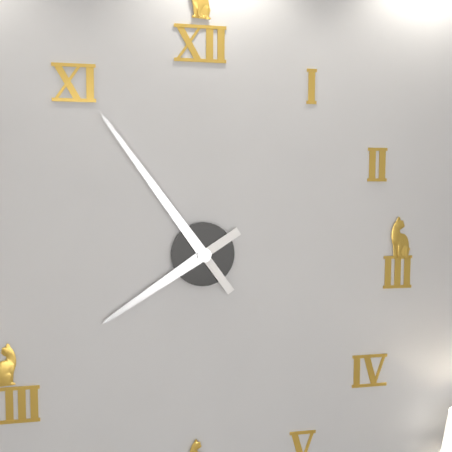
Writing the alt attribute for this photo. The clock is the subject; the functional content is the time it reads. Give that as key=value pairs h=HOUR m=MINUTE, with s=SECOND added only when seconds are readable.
h=7 m=54
